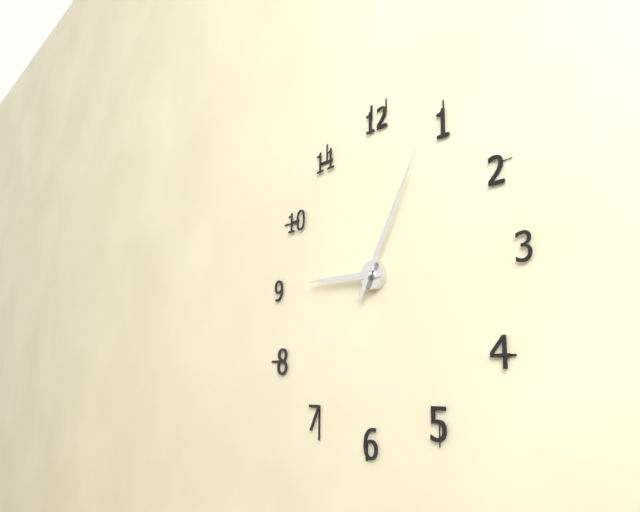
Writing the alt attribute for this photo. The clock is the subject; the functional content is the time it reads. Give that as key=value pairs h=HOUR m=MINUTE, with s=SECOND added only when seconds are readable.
h=9 m=5
